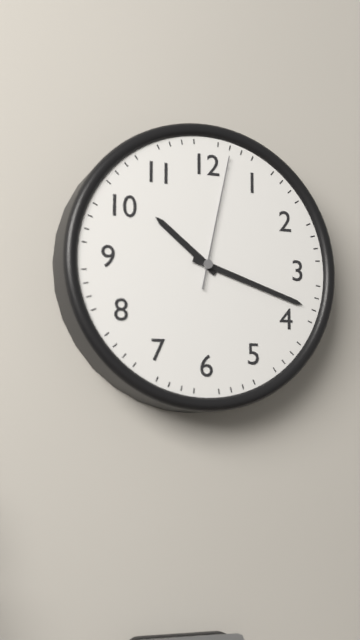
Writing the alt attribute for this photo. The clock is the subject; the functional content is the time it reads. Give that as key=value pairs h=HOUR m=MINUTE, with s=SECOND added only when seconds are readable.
h=10 m=18 s=2
